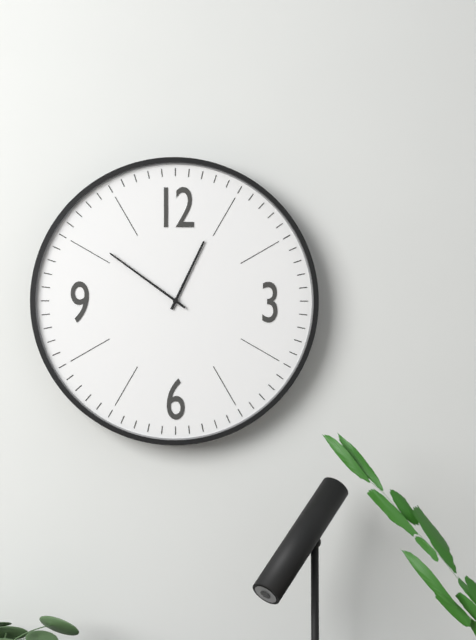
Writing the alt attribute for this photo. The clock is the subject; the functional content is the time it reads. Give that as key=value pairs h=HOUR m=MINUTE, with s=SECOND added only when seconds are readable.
h=12 m=51
